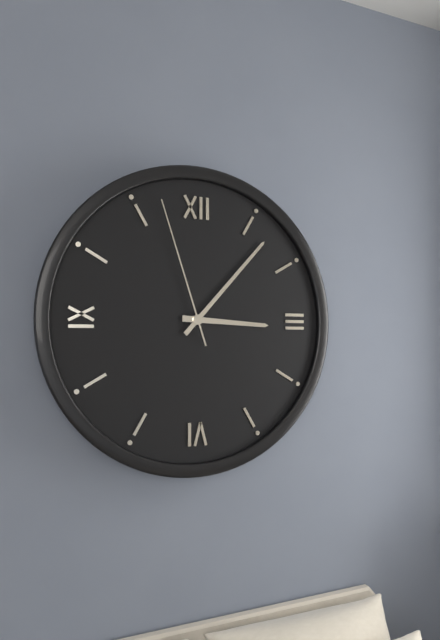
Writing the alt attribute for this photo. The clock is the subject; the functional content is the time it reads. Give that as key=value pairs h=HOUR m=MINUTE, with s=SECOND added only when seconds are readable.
h=3 m=7 s=57
